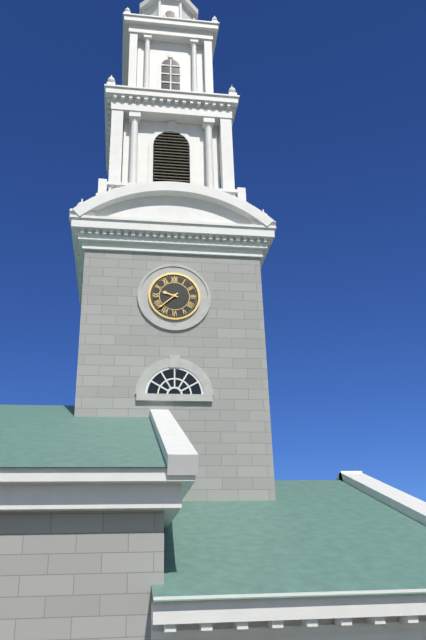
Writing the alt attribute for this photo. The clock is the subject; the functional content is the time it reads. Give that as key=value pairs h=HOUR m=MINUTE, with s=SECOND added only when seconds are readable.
h=9 m=38
